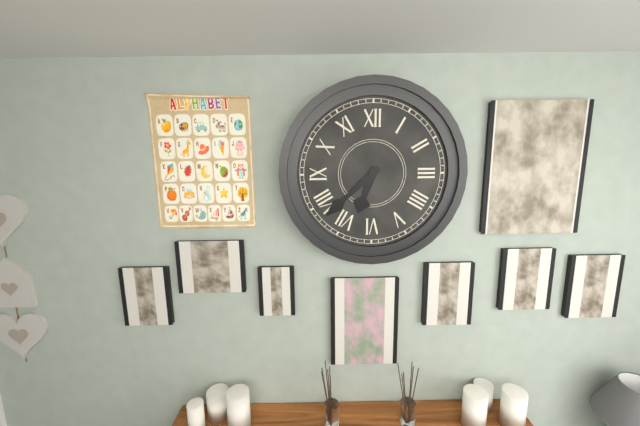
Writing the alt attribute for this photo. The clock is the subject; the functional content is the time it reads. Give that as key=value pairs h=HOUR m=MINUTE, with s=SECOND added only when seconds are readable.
h=6 m=38
